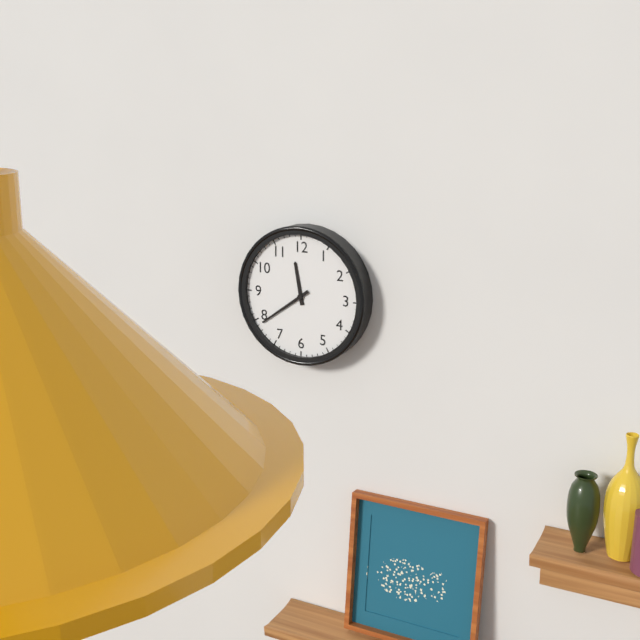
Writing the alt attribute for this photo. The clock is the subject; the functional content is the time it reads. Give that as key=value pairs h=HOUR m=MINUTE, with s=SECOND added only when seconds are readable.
h=11 m=39
